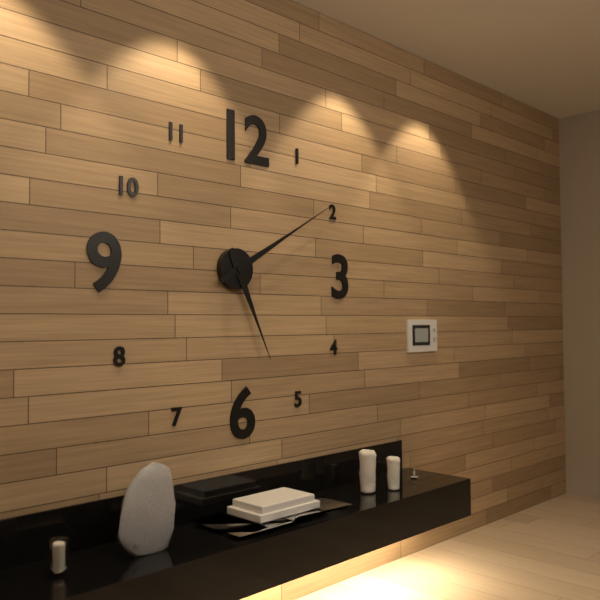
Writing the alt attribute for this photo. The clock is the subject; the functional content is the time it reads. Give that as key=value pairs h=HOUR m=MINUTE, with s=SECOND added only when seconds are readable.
h=5 m=10
